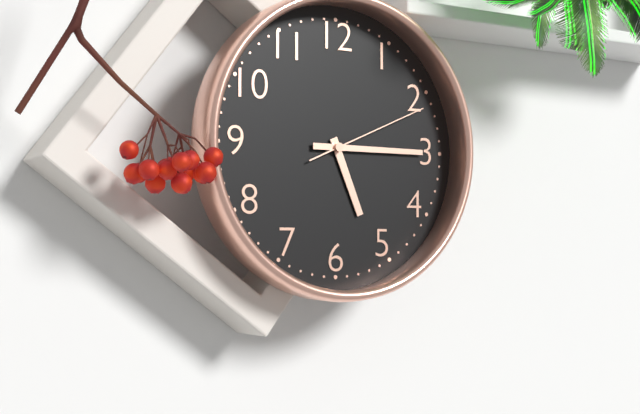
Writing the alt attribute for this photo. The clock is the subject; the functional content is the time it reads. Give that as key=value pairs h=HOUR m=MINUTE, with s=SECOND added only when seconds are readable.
h=5 m=15 s=11
